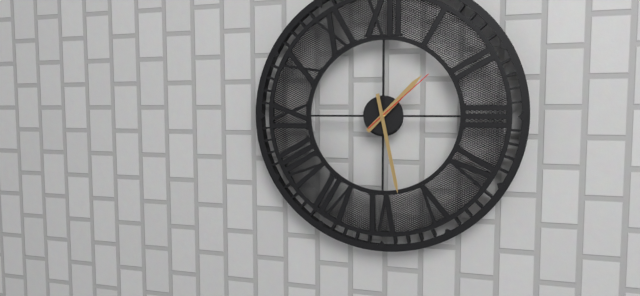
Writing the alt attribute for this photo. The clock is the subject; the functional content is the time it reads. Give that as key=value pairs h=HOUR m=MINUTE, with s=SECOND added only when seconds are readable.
h=1 m=28 s=8
